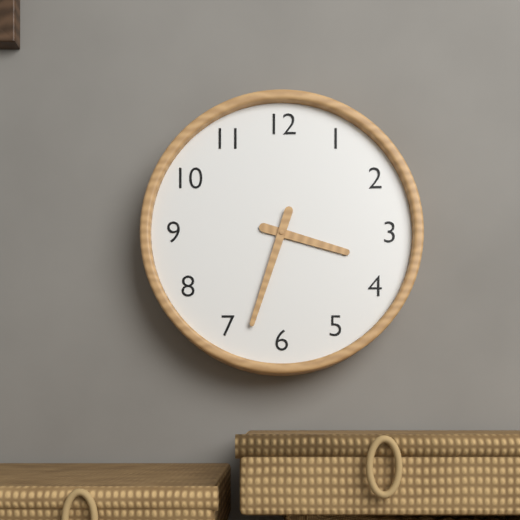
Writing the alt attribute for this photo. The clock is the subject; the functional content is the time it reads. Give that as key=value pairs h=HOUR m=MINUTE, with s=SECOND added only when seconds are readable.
h=3 m=33
